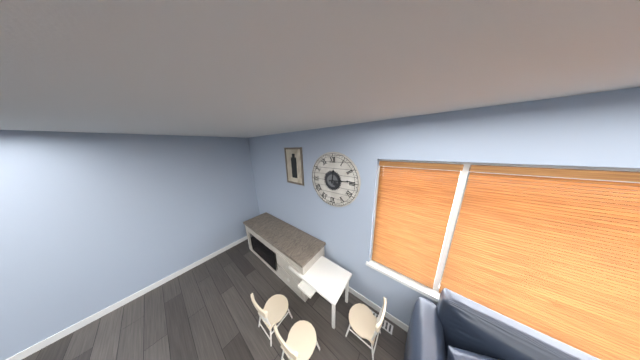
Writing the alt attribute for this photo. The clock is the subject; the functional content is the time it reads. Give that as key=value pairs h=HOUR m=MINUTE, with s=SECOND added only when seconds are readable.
h=12 m=14
